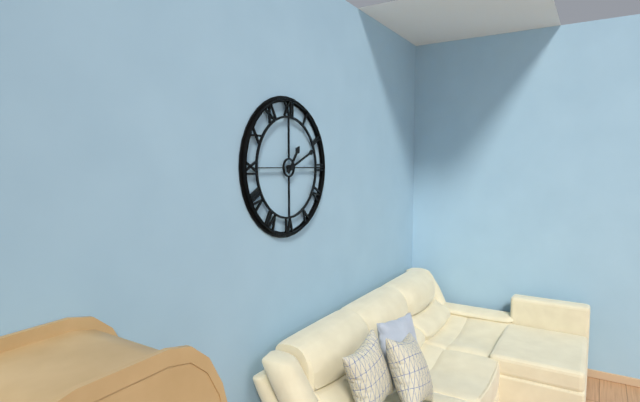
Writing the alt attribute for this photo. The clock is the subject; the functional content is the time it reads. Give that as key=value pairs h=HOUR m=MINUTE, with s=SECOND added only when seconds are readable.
h=1 m=11
